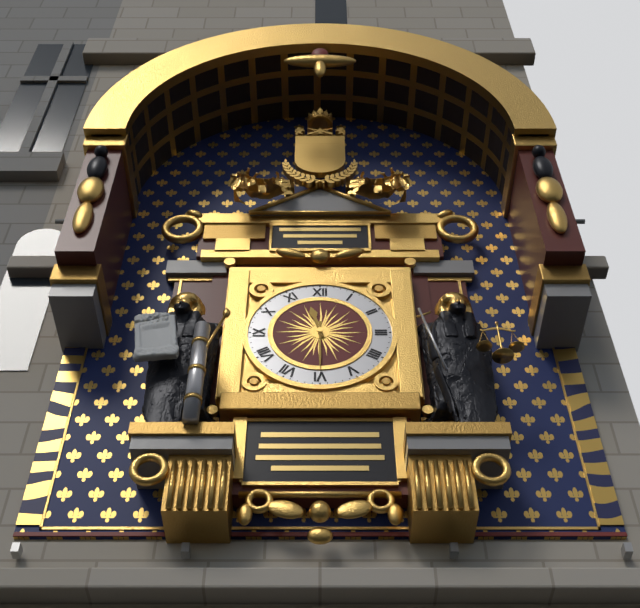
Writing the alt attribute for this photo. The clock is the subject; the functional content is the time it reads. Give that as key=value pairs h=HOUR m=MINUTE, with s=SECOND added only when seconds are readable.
h=11 m=30
